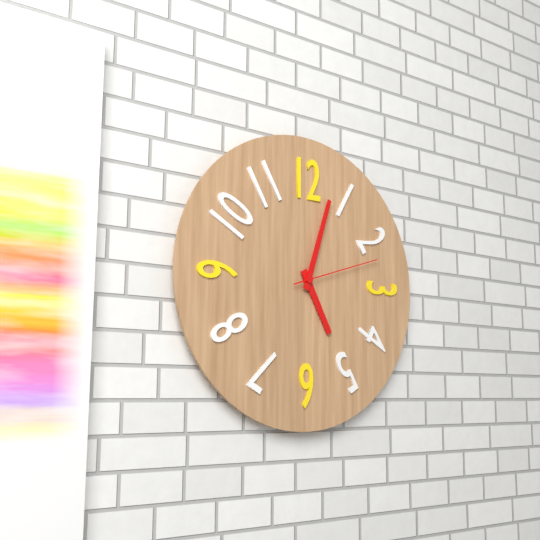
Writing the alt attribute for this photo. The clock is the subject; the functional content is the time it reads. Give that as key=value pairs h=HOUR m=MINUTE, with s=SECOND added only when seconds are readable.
h=5 m=3 s=12
